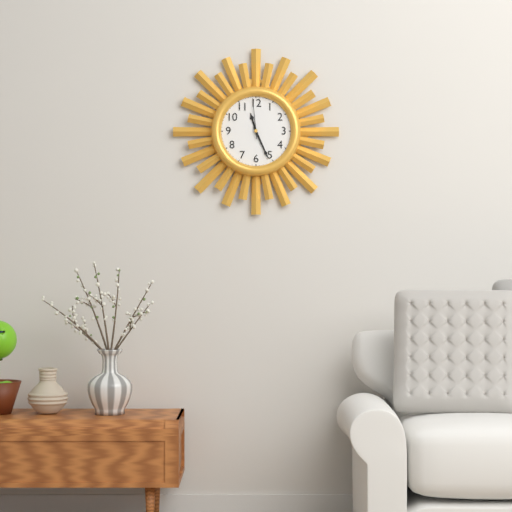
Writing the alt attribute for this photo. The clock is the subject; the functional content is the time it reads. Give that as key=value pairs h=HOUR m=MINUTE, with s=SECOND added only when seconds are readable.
h=11 m=26
